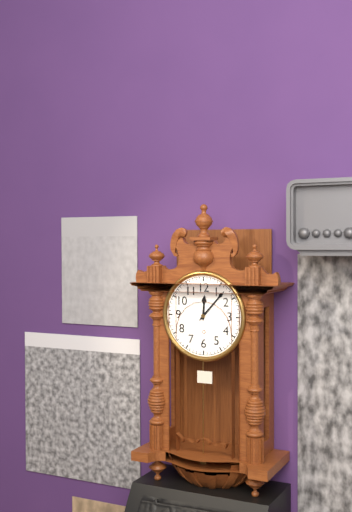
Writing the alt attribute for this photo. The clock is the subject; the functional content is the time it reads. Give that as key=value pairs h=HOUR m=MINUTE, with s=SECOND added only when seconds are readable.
h=12 m=7
